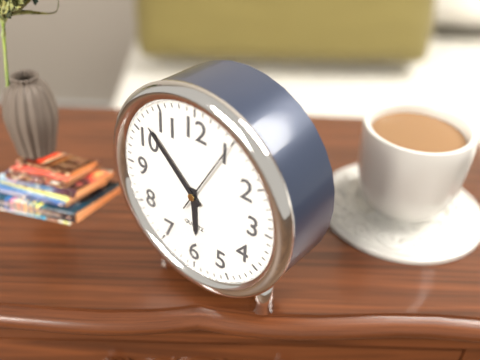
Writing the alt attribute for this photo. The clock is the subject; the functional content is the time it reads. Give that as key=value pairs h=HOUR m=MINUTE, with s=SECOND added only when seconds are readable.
h=5 m=52 s=5
